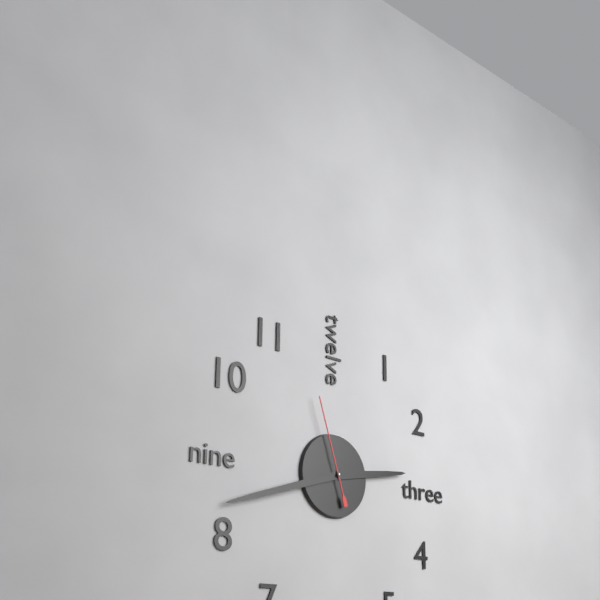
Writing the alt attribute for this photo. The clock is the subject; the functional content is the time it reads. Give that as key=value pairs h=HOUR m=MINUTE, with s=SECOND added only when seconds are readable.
h=2 m=42 s=57
